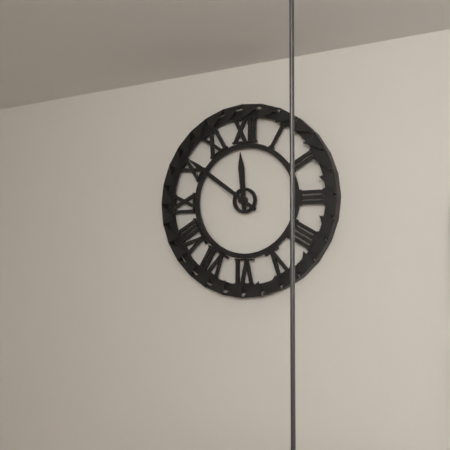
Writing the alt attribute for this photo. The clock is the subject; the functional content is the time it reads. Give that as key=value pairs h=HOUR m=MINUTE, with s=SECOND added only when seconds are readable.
h=11 m=51
